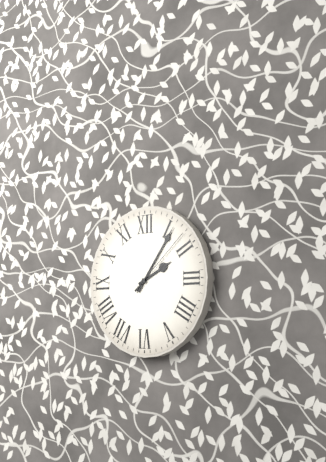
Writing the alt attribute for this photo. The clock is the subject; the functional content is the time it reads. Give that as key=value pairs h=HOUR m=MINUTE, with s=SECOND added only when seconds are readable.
h=2 m=6 s=8
